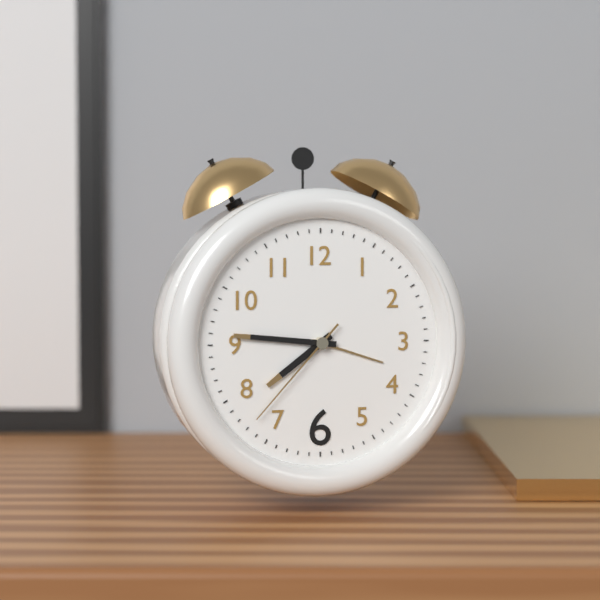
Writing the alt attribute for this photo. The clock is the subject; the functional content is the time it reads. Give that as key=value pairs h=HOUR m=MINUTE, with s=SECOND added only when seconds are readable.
h=7 m=46 s=37
